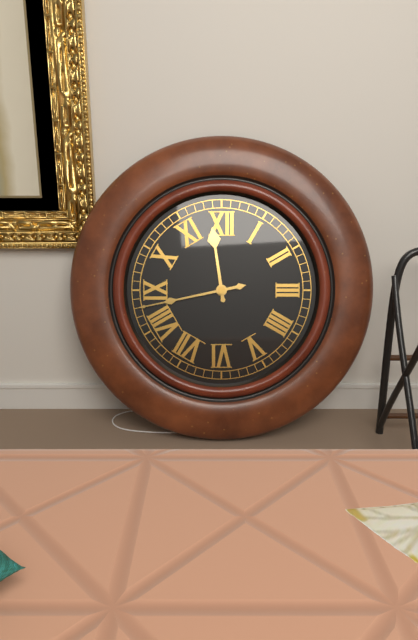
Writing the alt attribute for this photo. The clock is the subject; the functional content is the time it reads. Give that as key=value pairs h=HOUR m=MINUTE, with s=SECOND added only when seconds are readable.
h=11 m=43
